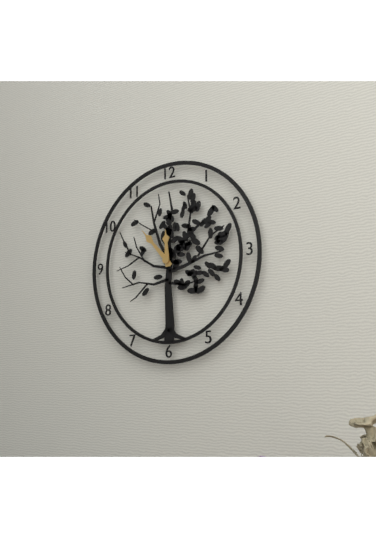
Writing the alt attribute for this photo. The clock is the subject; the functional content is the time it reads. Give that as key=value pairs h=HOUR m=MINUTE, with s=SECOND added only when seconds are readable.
h=11 m=53
